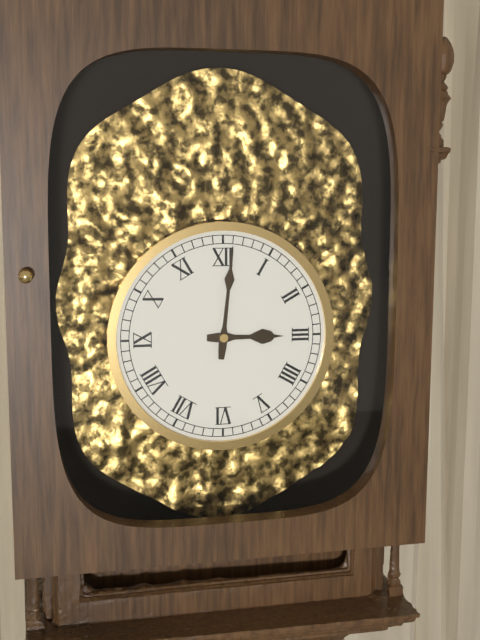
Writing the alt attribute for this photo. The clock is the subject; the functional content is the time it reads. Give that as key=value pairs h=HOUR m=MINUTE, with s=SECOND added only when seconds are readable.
h=3 m=1
